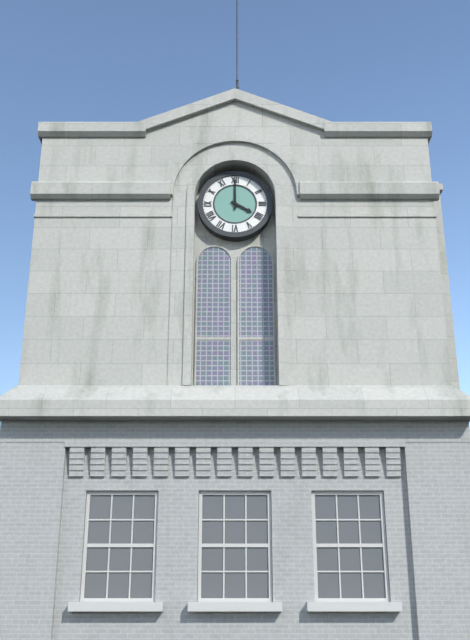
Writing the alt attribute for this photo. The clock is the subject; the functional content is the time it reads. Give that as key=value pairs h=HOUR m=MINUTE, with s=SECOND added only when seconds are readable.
h=4 m=0
